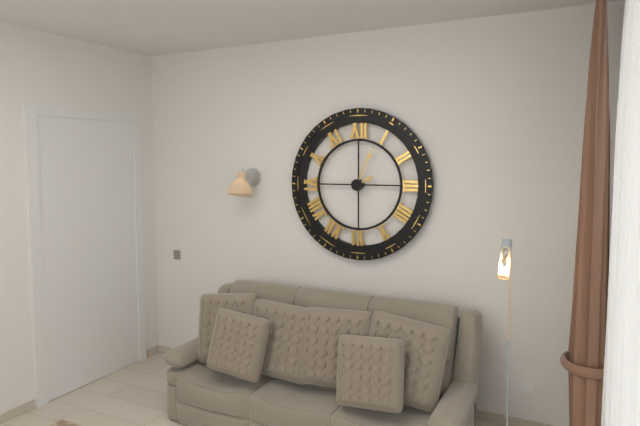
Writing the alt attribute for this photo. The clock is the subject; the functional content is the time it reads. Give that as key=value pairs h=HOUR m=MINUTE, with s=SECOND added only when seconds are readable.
h=2 m=4
